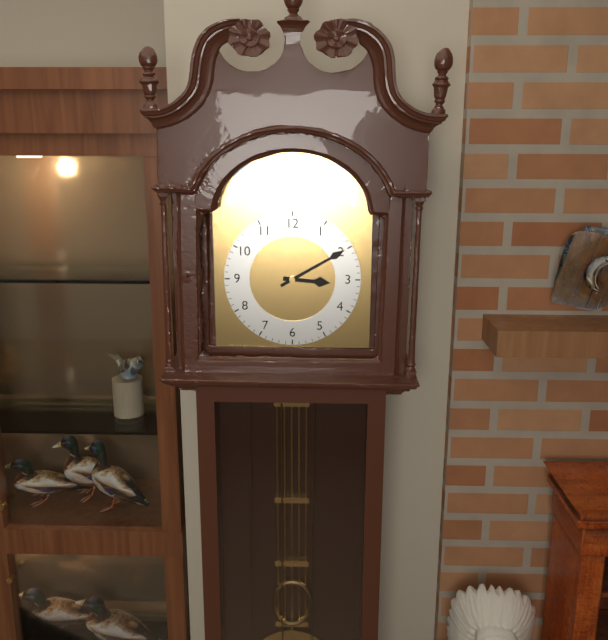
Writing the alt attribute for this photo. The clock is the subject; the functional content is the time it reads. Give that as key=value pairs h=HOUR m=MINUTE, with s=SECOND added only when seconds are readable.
h=3 m=10
